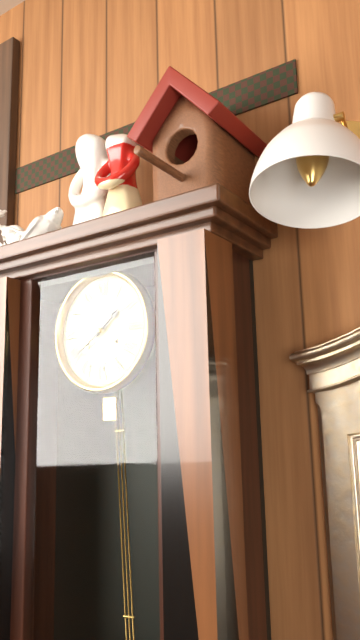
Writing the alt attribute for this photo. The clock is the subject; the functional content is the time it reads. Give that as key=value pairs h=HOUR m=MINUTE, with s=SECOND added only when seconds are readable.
h=1 m=39
